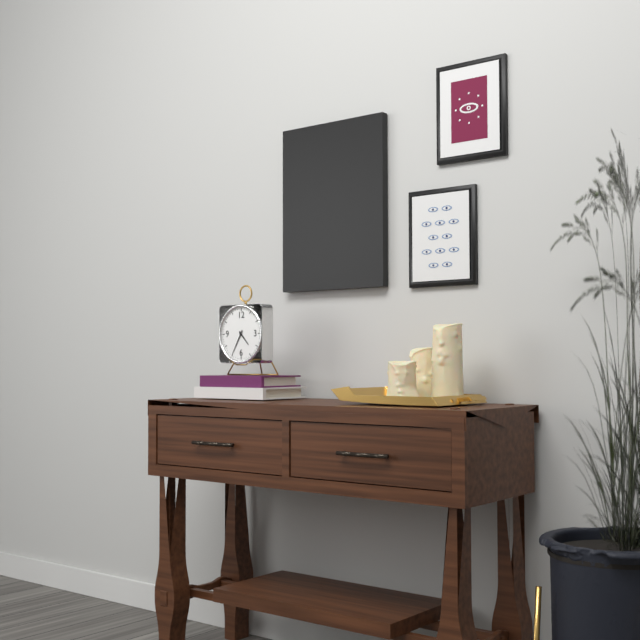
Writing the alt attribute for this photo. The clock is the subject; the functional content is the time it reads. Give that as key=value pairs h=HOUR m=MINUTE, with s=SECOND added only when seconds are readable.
h=4 m=35
